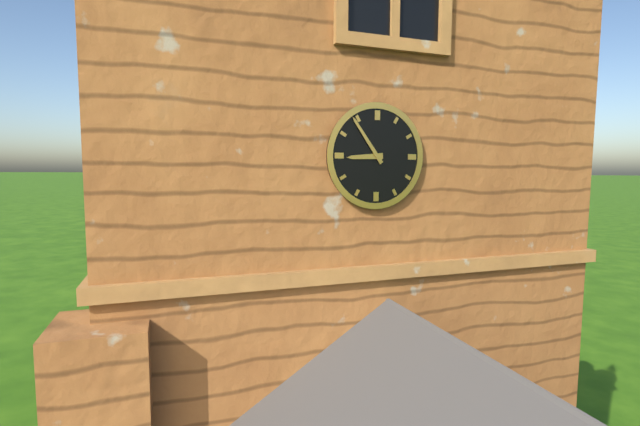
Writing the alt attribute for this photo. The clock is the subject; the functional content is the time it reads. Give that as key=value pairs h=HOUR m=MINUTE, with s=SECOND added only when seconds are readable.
h=8 m=54
